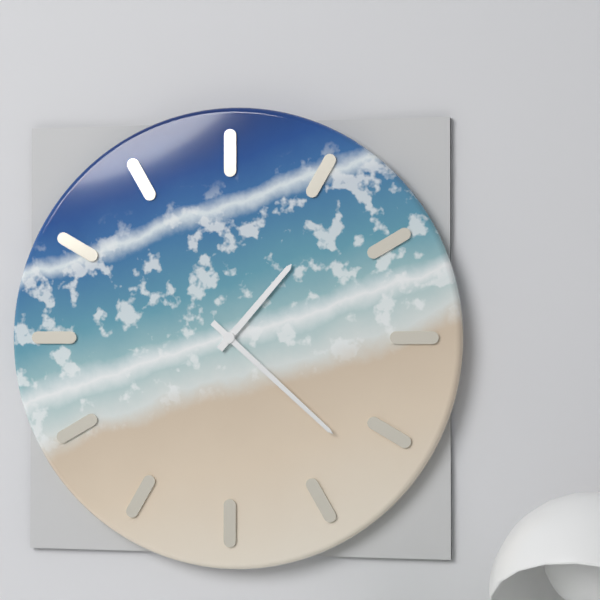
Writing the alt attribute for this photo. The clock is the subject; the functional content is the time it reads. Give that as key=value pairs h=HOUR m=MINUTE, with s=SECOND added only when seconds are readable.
h=1 m=22
